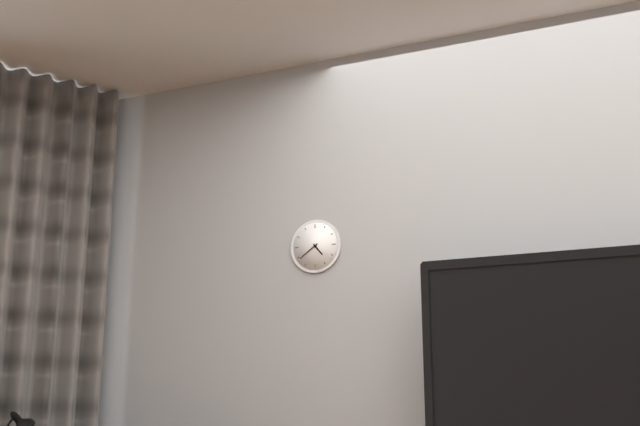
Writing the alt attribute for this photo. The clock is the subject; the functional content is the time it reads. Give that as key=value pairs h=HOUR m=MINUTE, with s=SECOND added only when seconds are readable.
h=4 m=39
